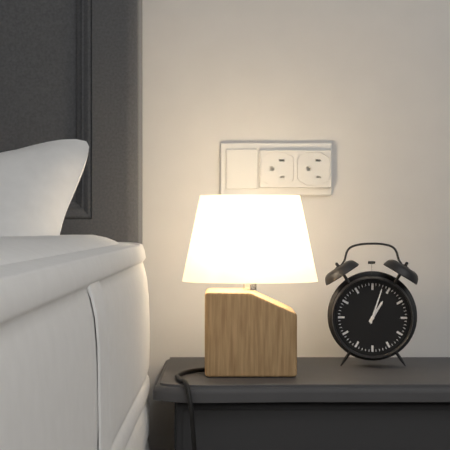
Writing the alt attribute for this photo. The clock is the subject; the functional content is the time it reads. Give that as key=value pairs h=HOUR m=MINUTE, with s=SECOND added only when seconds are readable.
h=1 m=3
